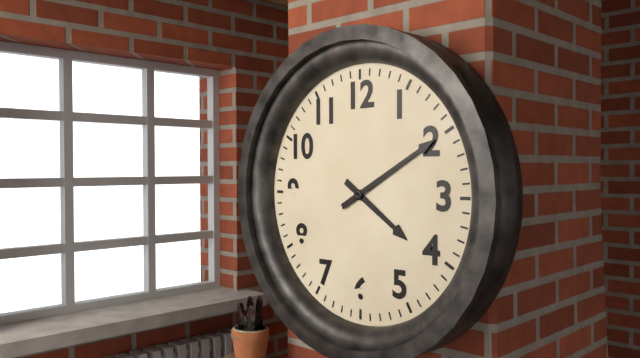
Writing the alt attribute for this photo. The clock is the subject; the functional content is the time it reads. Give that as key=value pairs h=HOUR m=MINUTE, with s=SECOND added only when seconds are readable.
h=4 m=10
